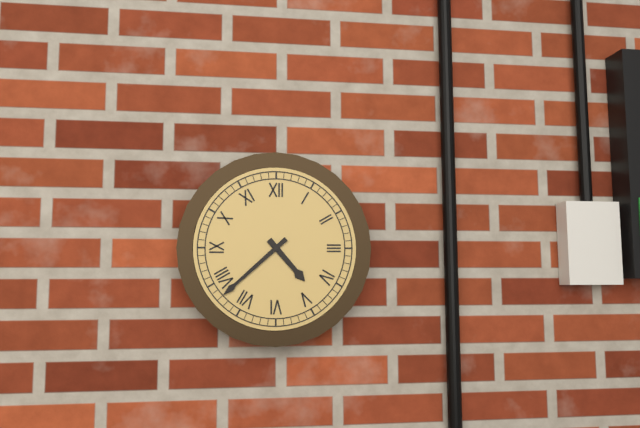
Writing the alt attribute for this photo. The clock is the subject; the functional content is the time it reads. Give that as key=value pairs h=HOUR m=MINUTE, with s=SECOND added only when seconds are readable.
h=4 m=38
